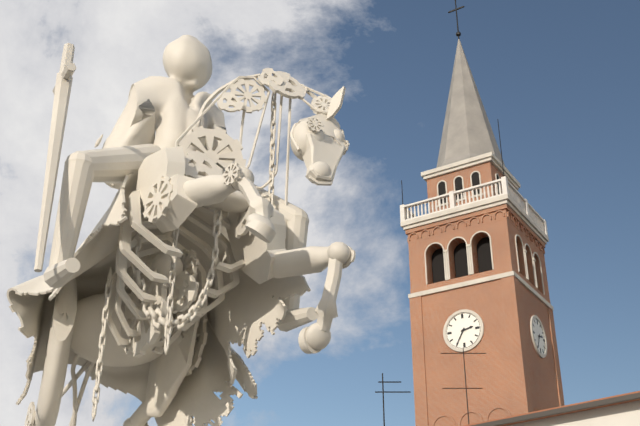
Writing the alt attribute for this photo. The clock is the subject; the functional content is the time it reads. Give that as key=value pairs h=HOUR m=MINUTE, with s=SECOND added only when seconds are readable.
h=2 m=35
